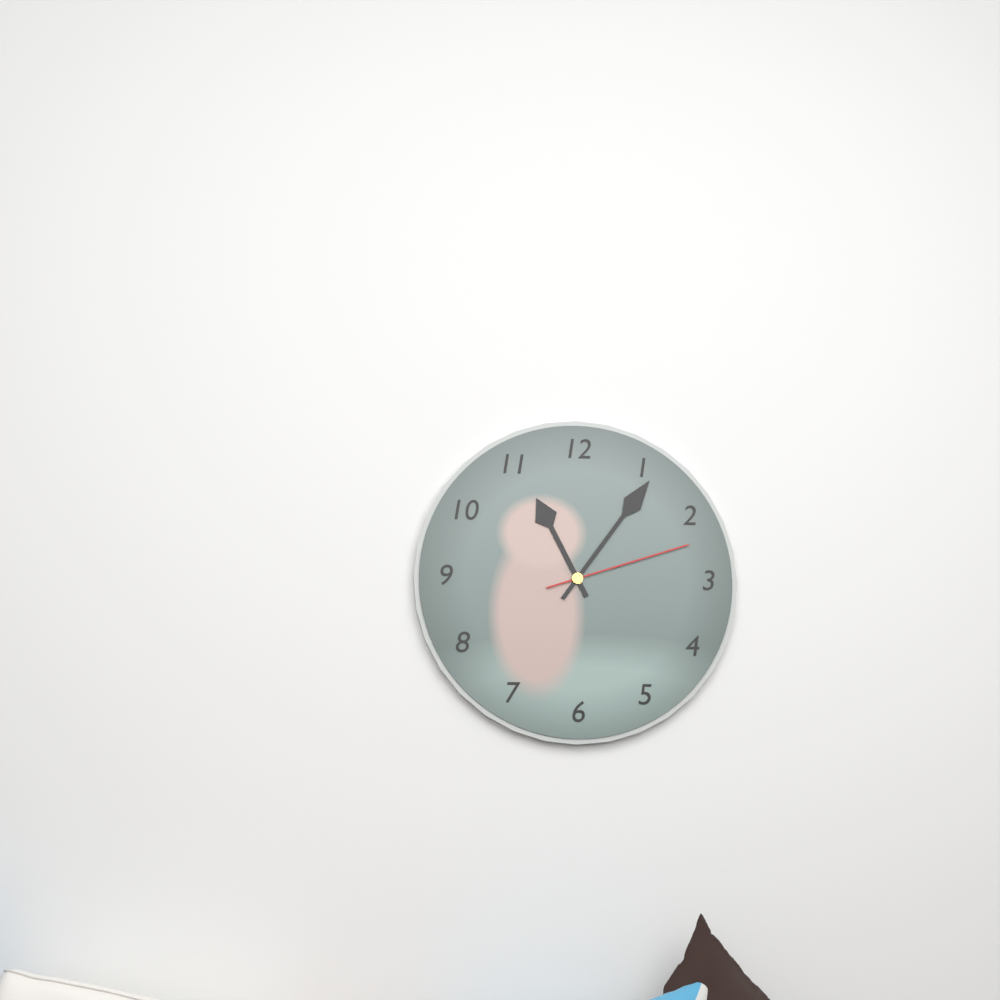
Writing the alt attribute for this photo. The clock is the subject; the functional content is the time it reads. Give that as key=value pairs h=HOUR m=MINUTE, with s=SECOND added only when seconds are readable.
h=11 m=6 s=12
